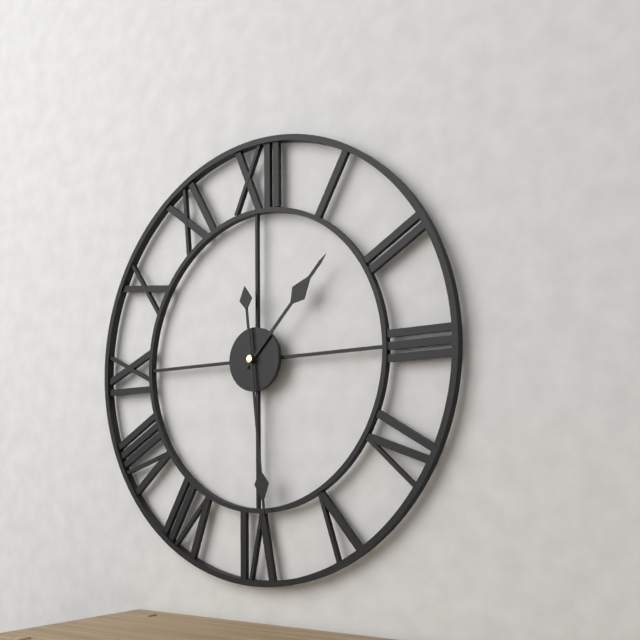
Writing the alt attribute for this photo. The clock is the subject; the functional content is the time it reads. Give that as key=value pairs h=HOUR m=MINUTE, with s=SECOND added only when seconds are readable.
h=1 m=29
